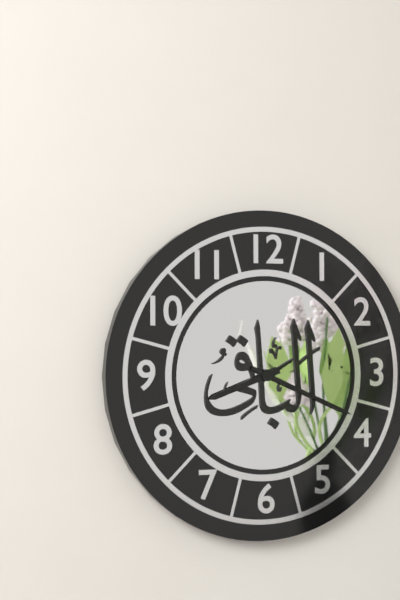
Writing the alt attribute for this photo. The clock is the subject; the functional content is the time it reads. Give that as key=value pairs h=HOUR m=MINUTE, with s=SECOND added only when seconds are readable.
h=8 m=19
